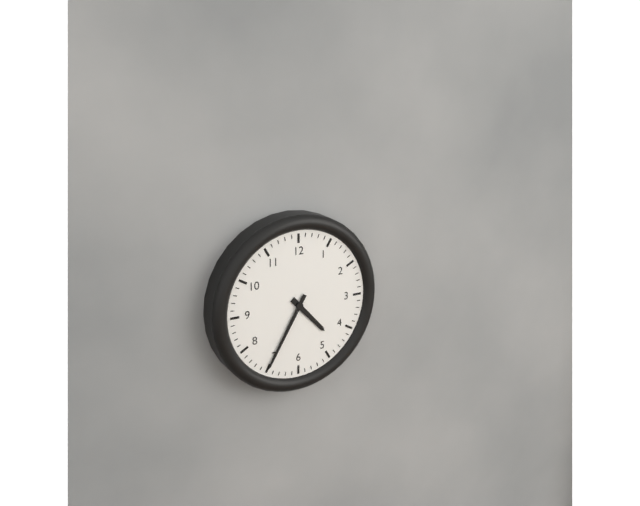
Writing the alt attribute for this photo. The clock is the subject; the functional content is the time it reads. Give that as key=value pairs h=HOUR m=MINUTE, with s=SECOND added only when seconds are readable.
h=4 m=35
